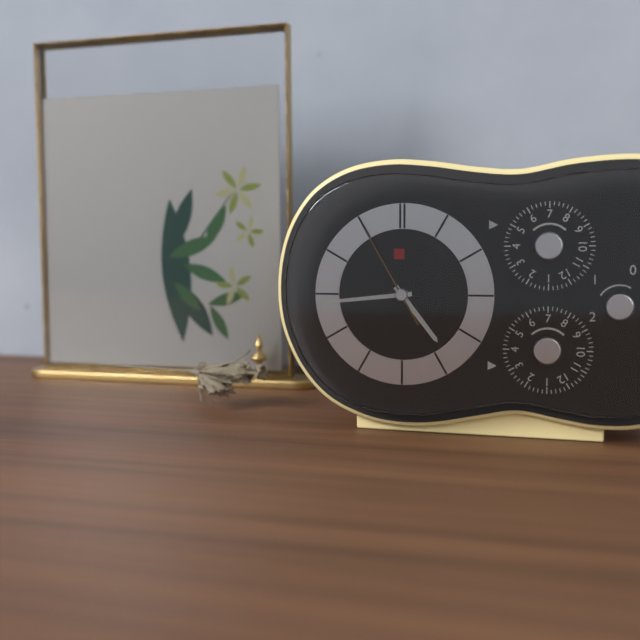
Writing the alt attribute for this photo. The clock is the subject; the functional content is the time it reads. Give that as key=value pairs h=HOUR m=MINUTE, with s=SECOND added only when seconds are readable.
h=4 m=44 s=55
